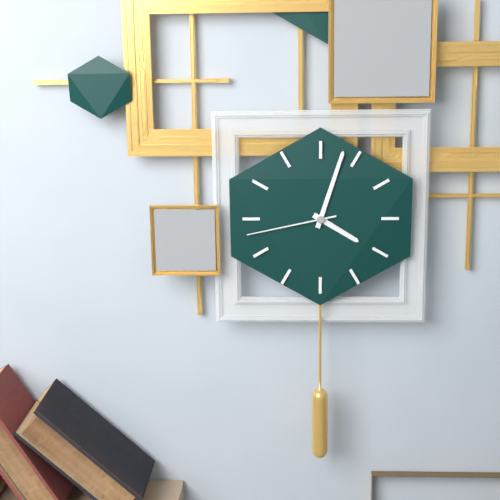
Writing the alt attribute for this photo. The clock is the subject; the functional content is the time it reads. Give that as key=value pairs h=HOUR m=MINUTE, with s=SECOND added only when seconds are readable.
h=4 m=3 s=43
